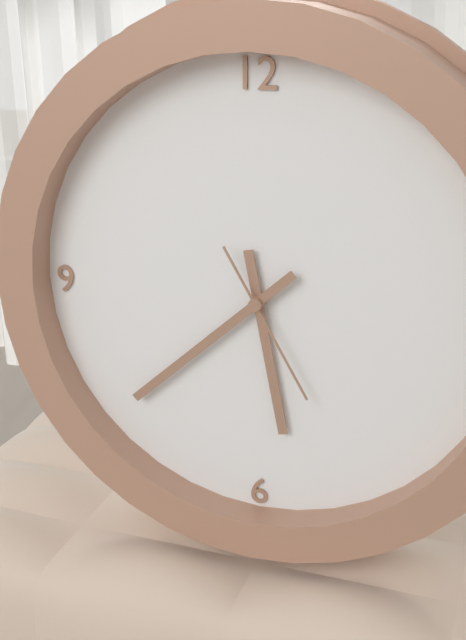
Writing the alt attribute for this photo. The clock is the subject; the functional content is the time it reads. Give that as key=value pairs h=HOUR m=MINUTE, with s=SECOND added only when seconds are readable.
h=5 m=38 s=25
